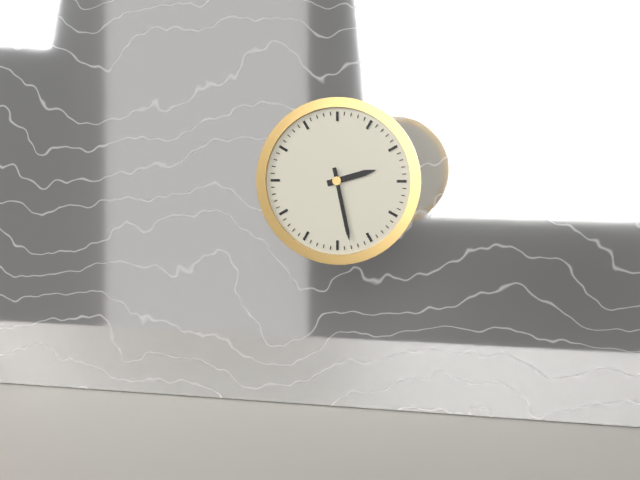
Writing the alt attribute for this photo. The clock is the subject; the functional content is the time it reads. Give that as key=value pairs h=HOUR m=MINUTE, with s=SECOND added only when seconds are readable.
h=2 m=28
